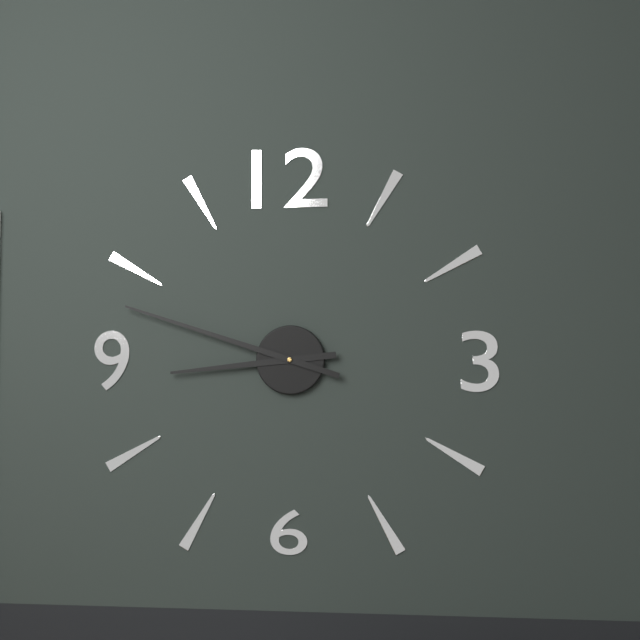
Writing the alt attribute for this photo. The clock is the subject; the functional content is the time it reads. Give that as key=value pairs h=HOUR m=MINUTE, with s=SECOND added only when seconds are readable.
h=8 m=48
